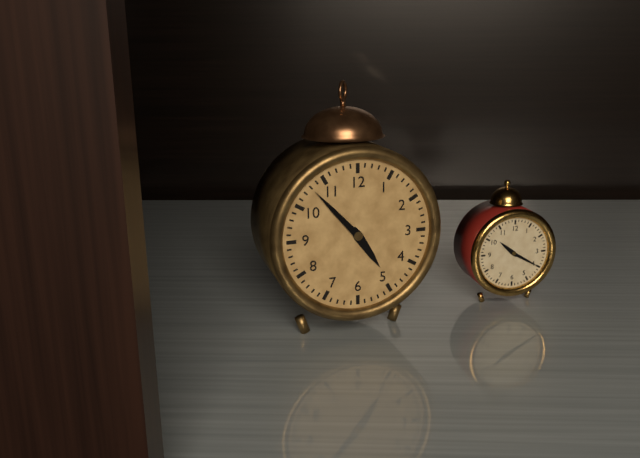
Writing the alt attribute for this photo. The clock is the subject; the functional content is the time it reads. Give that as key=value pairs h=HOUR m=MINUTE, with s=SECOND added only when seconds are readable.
h=4 m=53
